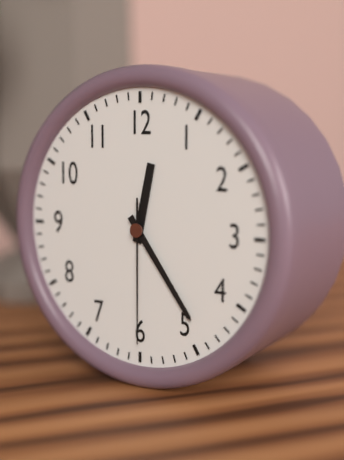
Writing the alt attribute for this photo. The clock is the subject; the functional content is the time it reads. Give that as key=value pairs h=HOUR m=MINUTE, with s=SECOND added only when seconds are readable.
h=12 m=24 s=30
